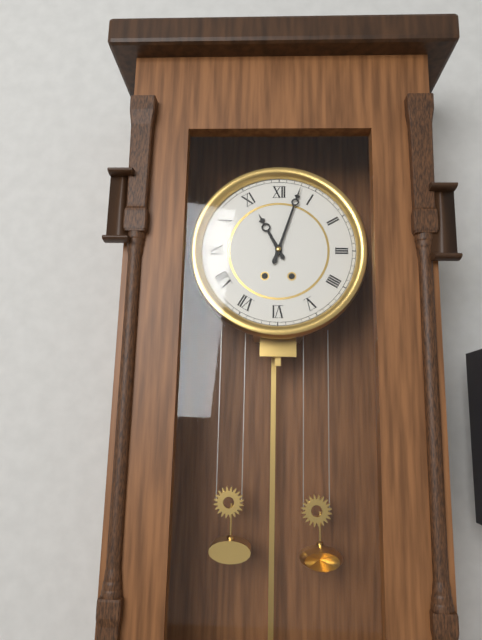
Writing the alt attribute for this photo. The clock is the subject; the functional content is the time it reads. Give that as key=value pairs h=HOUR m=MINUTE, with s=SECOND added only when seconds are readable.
h=11 m=3
